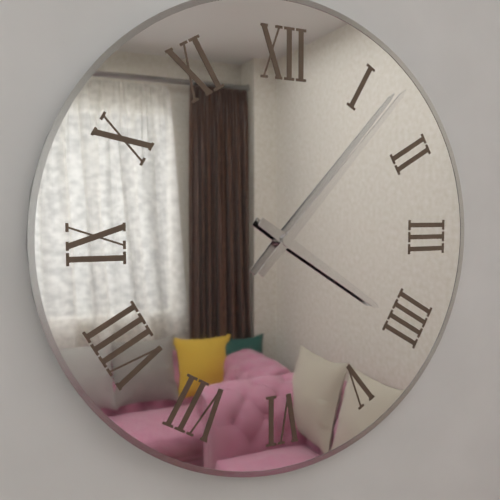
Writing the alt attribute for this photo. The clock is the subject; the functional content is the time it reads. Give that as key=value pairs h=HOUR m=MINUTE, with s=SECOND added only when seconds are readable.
h=4 m=7
